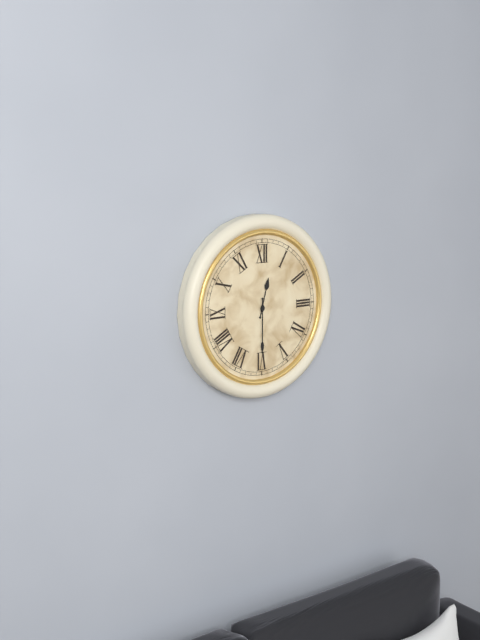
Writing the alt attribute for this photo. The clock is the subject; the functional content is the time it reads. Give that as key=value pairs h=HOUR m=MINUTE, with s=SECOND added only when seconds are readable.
h=12 m=30
